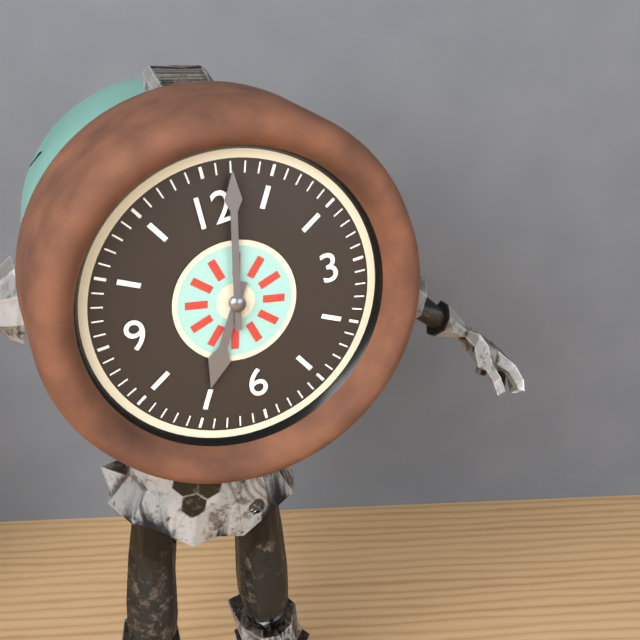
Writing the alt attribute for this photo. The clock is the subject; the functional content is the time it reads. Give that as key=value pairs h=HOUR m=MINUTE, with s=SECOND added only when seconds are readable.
h=7 m=2
